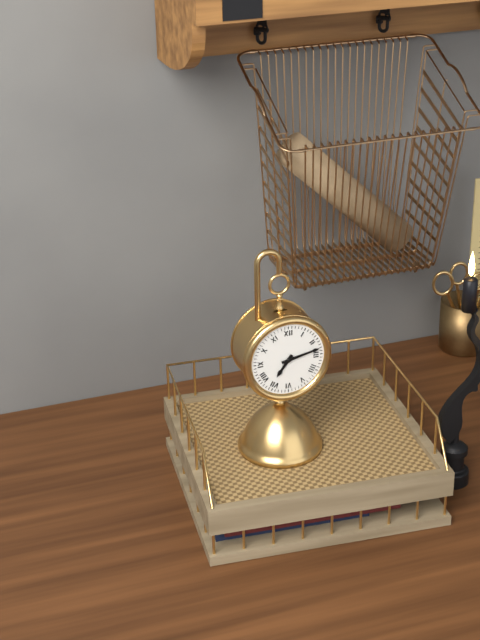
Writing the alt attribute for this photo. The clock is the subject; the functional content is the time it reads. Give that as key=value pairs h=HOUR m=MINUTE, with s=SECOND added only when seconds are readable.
h=7 m=13
